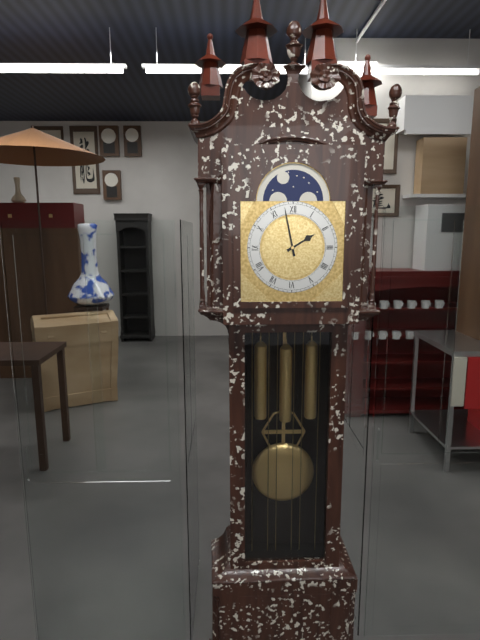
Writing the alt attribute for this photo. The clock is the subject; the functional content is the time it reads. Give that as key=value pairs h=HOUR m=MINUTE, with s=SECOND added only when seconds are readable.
h=1 m=58
